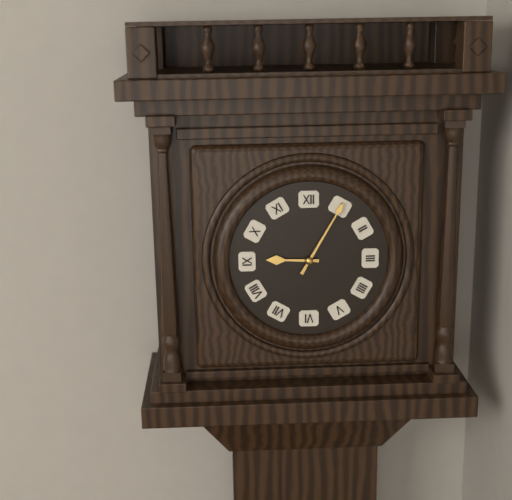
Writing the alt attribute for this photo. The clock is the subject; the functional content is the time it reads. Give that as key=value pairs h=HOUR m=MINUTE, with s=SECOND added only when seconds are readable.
h=9 m=5
